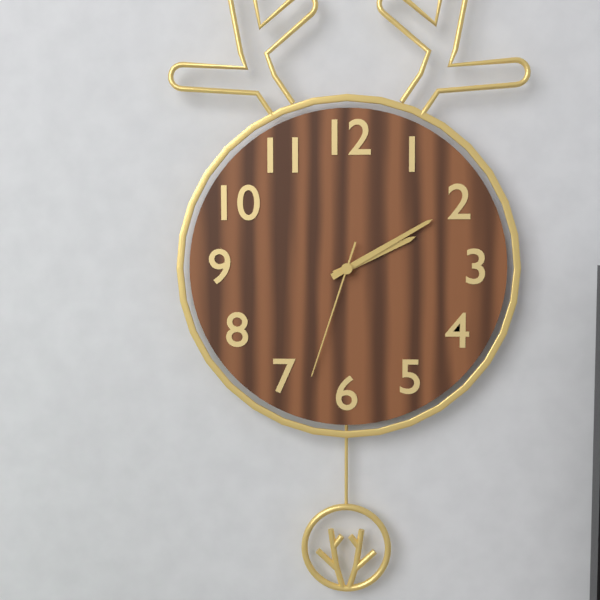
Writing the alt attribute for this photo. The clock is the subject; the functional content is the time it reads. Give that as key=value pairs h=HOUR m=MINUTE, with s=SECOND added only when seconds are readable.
h=2 m=10 s=33
